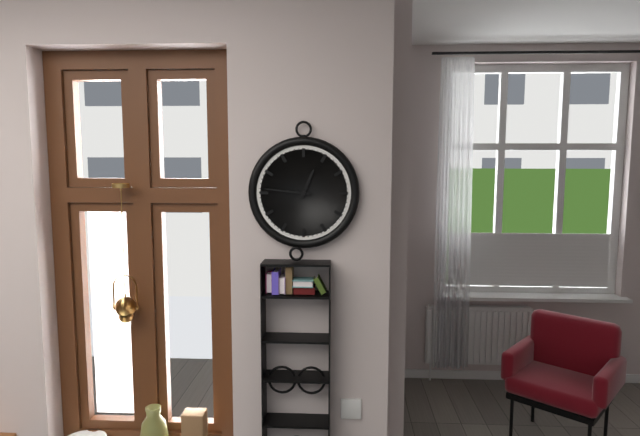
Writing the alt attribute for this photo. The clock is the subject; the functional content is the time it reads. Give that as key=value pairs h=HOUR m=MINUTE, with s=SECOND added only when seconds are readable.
h=12 m=46
